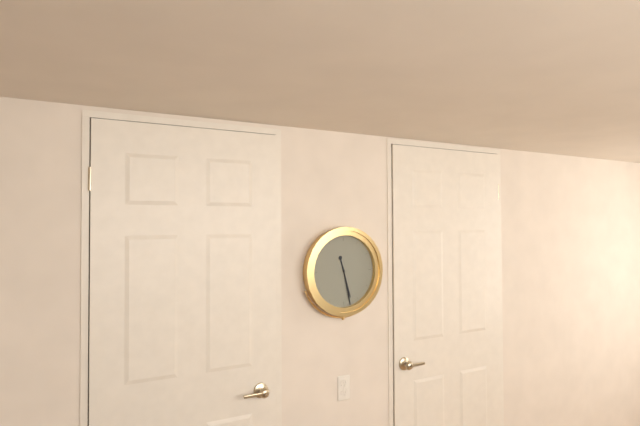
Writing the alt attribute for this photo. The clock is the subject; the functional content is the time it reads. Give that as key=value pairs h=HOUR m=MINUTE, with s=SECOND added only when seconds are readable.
h=5 m=28
